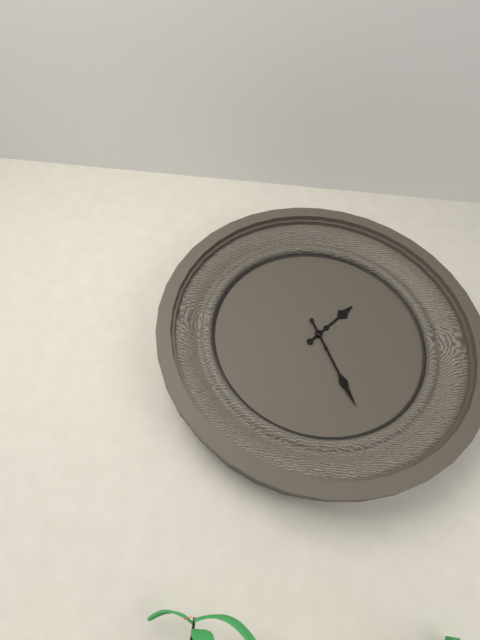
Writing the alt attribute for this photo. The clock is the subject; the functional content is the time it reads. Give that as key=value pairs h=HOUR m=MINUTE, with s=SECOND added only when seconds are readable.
h=1 m=26
